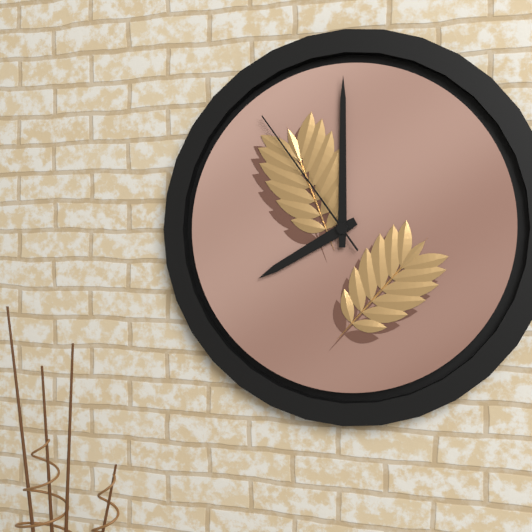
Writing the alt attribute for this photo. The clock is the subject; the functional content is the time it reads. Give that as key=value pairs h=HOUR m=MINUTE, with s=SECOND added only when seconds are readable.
h=8 m=0 s=54
